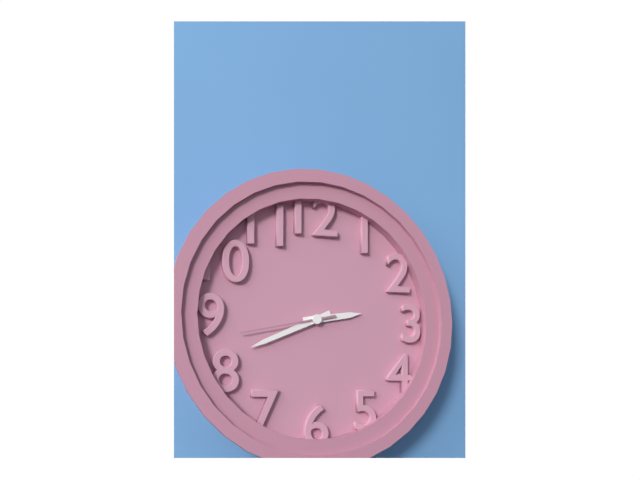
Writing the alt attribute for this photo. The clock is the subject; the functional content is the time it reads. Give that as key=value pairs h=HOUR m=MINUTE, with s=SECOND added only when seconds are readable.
h=2 m=41 s=43
